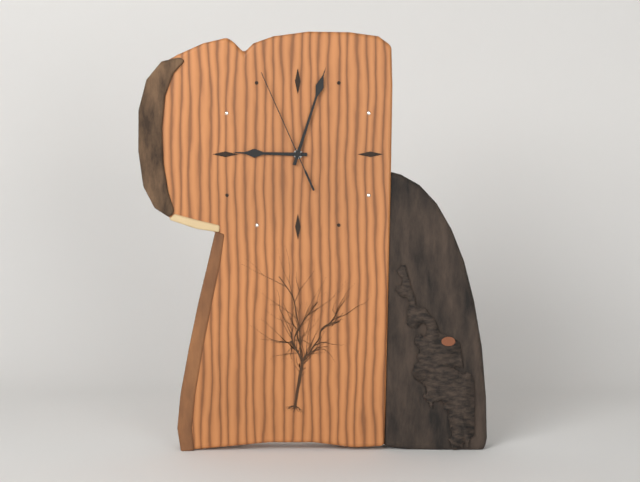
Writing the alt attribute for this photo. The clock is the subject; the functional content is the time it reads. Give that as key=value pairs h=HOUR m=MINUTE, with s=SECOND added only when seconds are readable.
h=9 m=3 s=56
